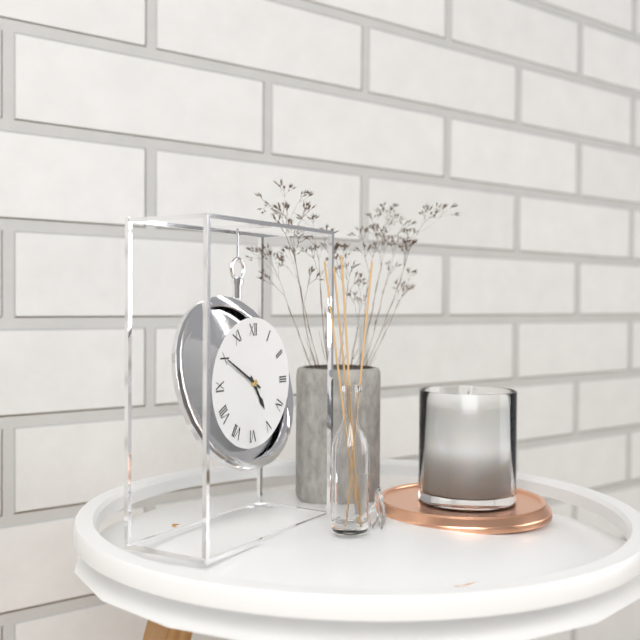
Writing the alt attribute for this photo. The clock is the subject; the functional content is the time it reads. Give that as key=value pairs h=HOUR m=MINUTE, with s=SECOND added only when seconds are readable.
h=4 m=50
